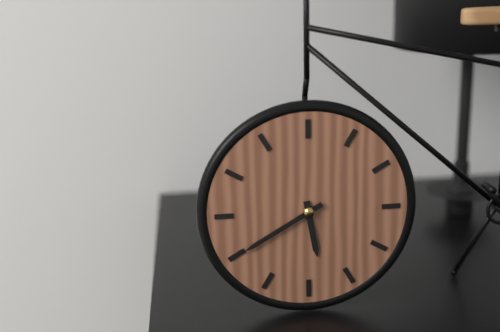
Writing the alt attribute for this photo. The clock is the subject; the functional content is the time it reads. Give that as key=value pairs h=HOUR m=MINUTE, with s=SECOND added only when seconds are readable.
h=5 m=40
